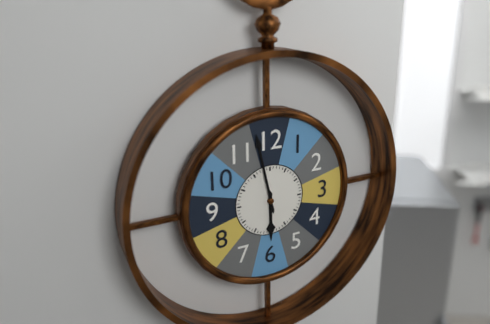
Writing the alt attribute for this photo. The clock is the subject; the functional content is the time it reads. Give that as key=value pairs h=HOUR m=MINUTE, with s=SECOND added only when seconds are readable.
h=5 m=58
